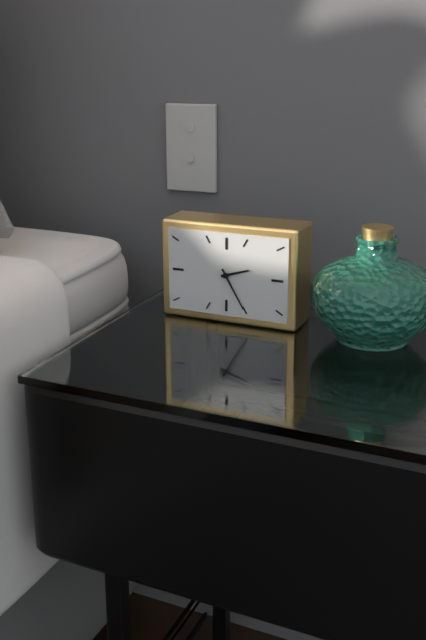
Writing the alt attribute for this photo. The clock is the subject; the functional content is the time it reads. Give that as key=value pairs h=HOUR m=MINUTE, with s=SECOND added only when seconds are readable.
h=2 m=25
